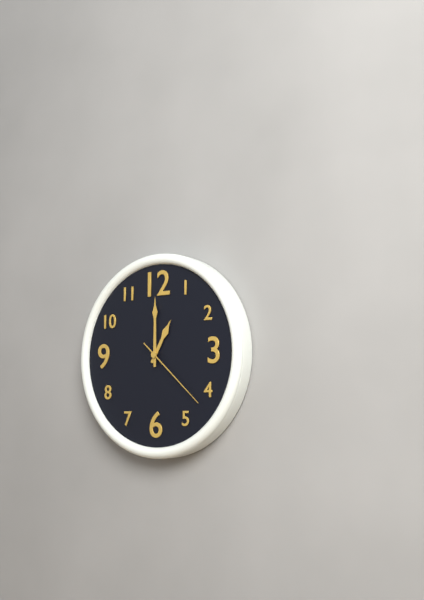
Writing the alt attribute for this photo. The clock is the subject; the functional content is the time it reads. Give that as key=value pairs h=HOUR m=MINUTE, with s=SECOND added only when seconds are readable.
h=1 m=0 s=22
